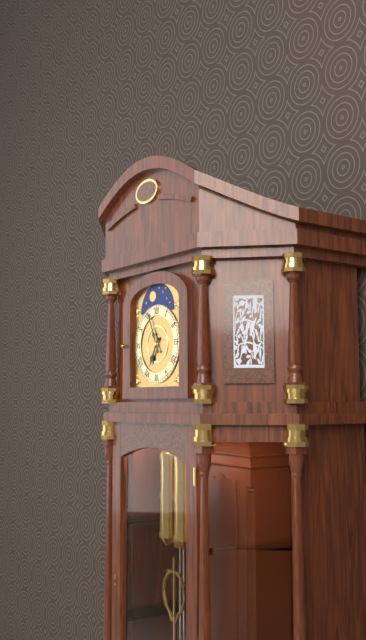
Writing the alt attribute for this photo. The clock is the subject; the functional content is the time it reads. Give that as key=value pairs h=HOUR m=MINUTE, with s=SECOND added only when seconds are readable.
h=6 m=56
